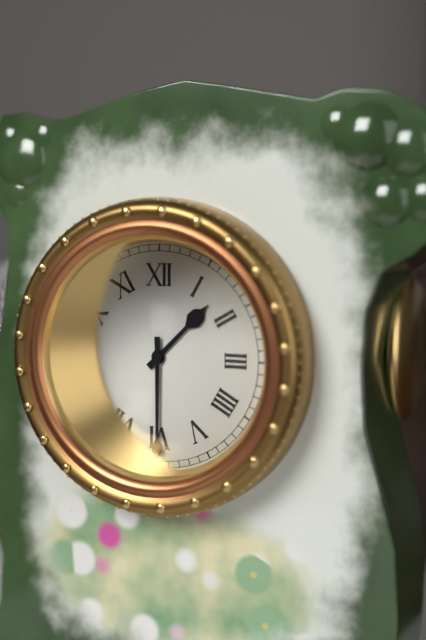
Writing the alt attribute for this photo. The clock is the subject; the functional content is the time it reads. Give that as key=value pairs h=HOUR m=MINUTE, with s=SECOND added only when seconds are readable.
h=1 m=30
